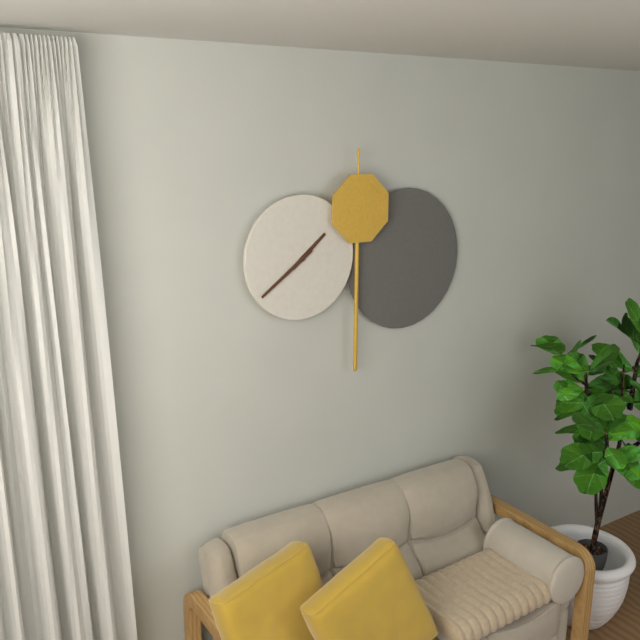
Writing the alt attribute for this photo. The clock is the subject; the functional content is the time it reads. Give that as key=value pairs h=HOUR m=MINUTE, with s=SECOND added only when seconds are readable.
h=1 m=39
